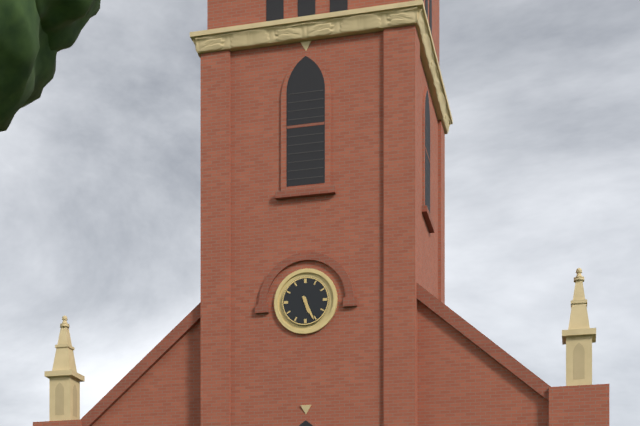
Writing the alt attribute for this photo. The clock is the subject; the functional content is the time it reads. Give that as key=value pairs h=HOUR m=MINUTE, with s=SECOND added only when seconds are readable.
h=5 m=26
